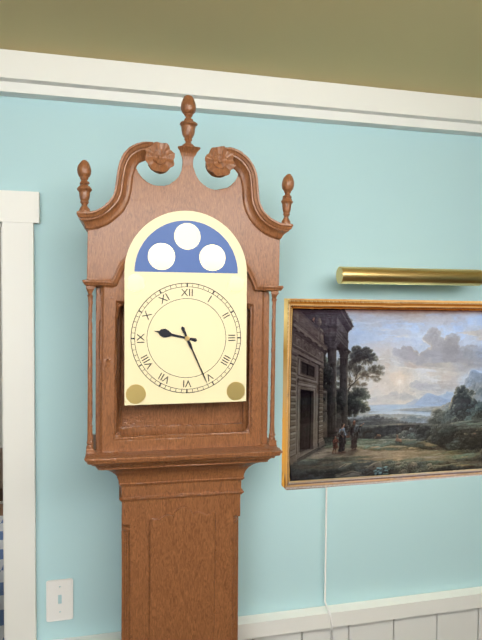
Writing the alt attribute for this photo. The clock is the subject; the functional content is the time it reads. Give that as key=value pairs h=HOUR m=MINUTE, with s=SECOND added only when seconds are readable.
h=9 m=26
